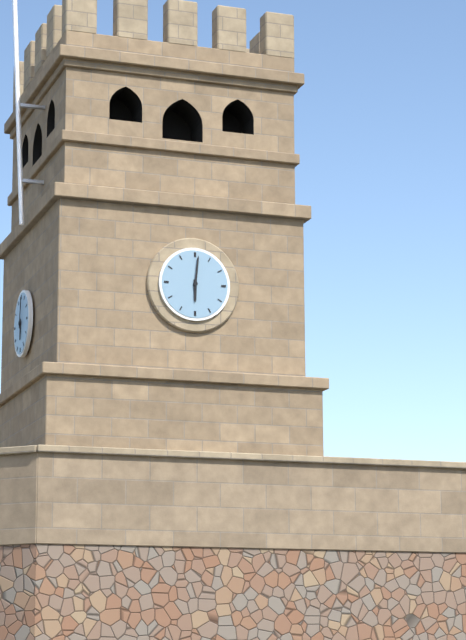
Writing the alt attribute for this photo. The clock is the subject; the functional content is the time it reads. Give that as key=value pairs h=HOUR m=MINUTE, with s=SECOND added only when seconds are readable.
h=6 m=1
